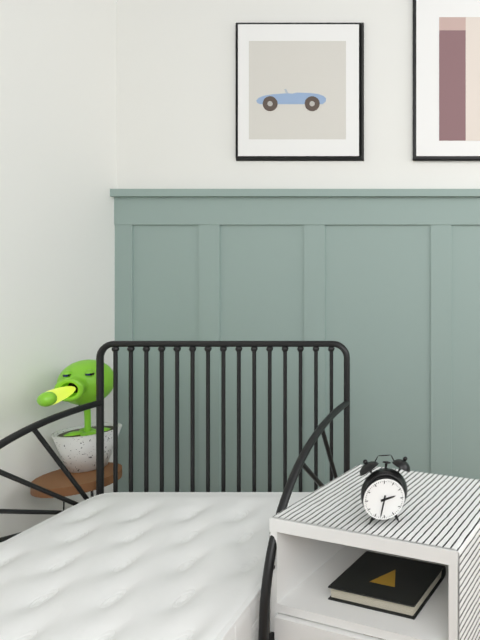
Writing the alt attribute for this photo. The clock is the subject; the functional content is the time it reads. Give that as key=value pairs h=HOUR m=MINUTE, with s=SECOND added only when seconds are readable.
h=2 m=32
